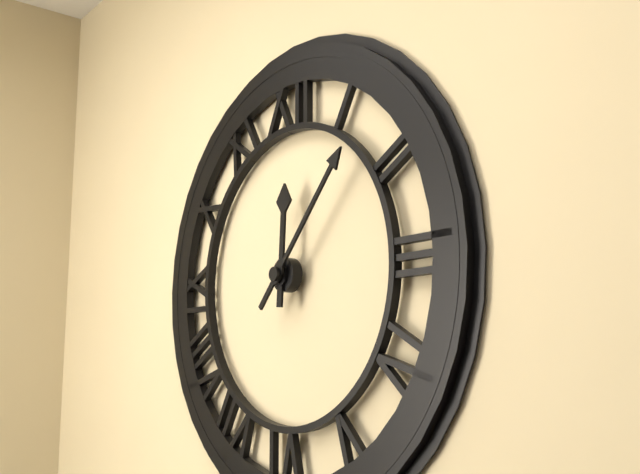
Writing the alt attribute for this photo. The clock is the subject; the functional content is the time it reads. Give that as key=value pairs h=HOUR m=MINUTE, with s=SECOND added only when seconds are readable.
h=12 m=7
